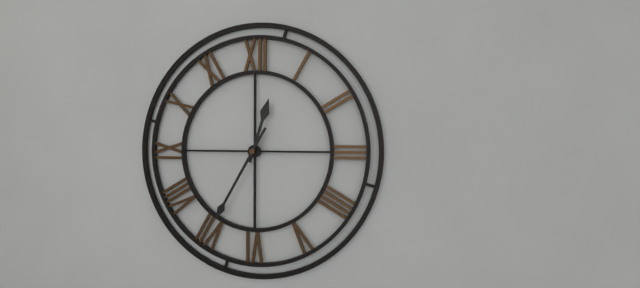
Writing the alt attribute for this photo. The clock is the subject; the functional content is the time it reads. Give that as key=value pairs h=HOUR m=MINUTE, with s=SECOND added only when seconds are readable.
h=12 m=35
